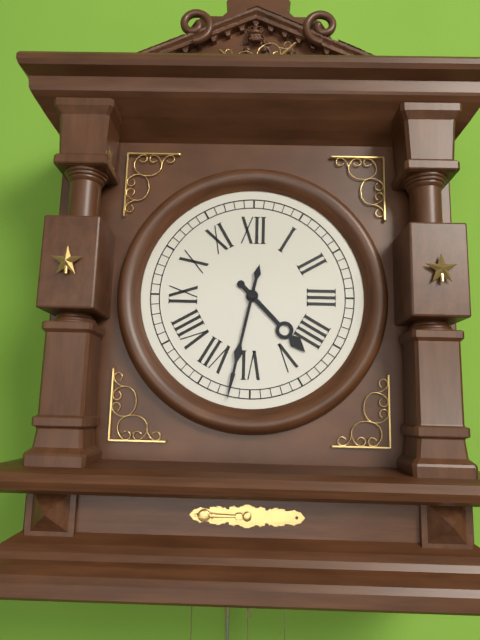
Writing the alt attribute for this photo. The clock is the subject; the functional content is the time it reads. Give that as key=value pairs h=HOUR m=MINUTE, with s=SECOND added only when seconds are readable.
h=4 m=32
